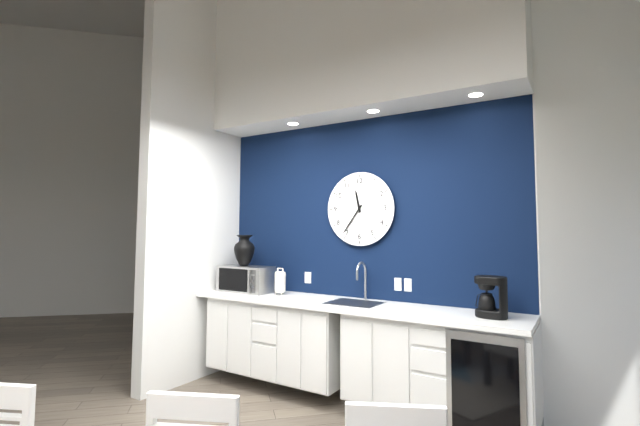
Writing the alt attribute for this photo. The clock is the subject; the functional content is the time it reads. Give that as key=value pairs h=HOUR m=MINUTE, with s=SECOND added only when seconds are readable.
h=11 m=36
